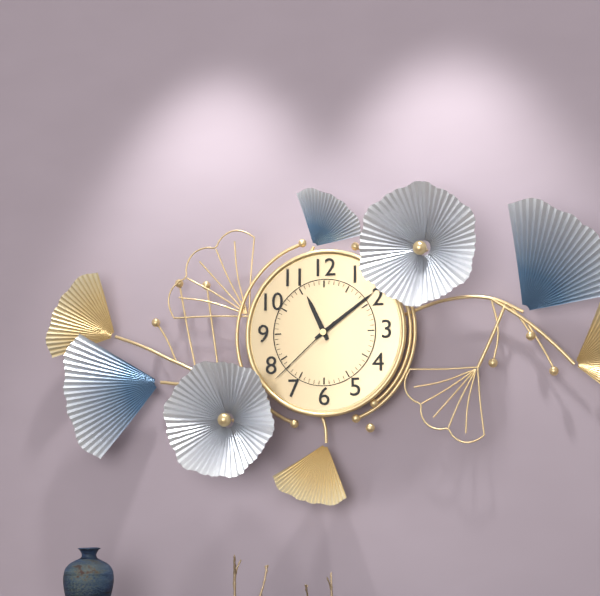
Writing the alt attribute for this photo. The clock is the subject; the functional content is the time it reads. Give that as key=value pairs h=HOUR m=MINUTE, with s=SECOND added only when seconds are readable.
h=11 m=9 s=38
